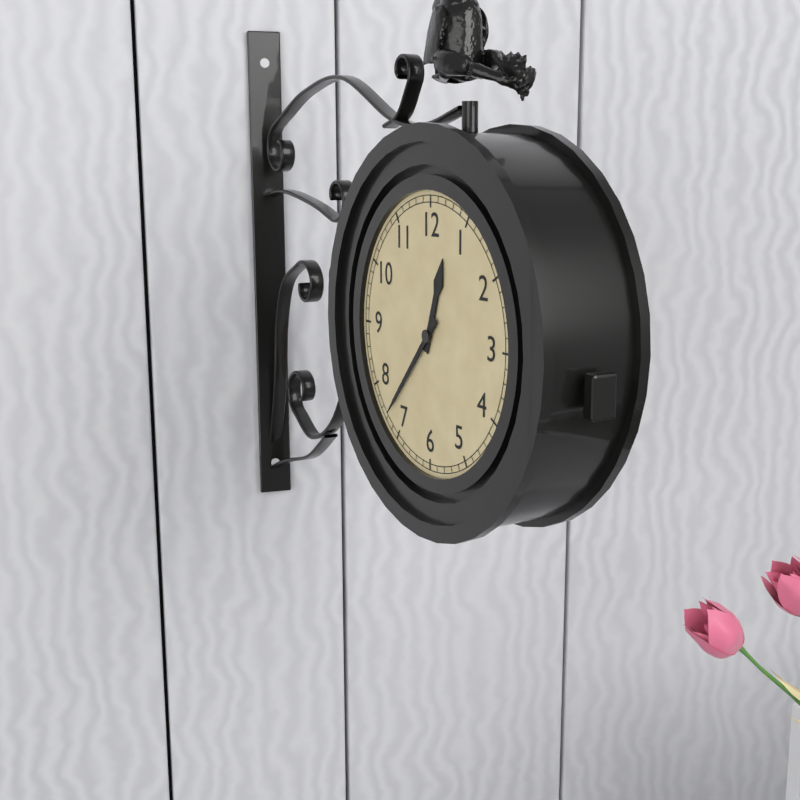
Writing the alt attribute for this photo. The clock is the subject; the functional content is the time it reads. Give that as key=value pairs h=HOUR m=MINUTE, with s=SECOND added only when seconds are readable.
h=12 m=37
